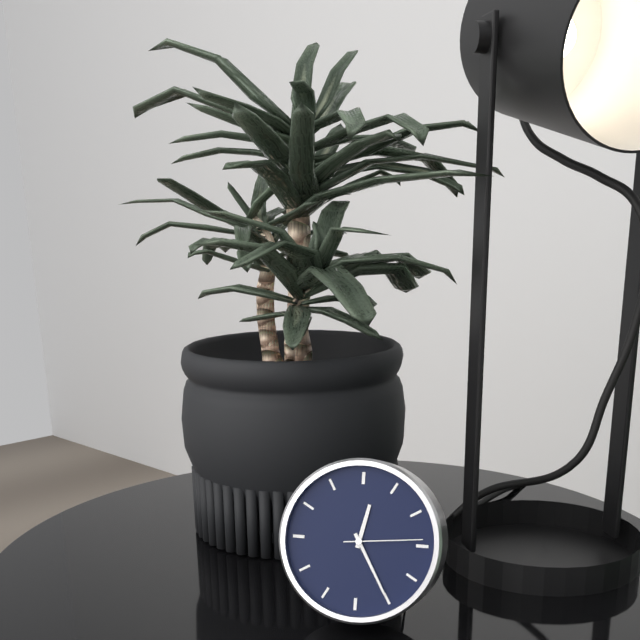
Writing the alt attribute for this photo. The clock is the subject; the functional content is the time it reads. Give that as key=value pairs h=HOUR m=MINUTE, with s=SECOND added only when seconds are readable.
h=12 m=25 s=14
